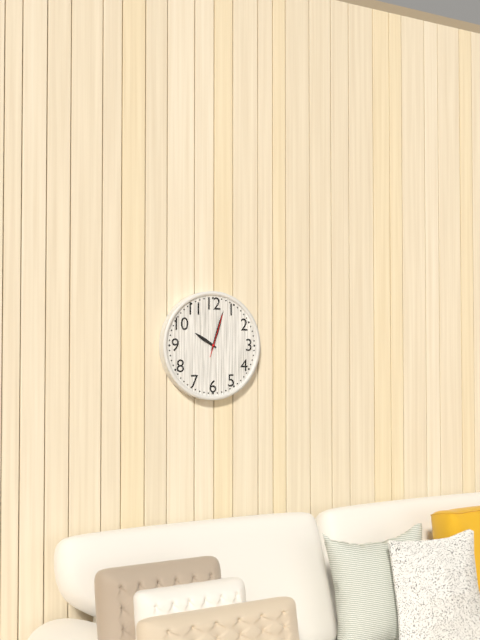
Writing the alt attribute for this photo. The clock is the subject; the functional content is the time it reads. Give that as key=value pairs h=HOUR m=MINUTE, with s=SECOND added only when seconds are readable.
h=10 m=3
